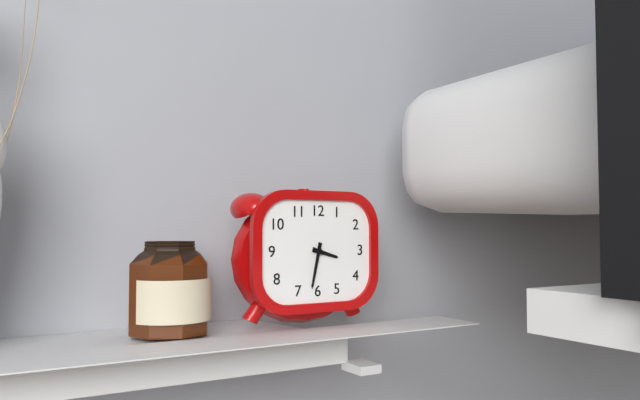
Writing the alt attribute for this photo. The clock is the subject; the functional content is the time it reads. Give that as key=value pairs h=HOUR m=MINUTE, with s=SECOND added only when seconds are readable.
h=3 m=32
